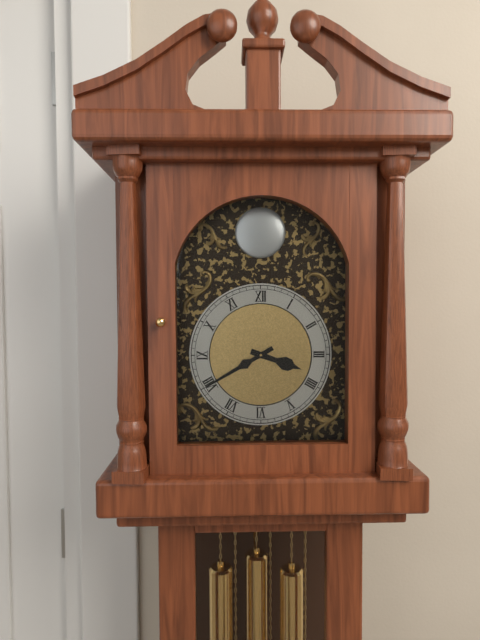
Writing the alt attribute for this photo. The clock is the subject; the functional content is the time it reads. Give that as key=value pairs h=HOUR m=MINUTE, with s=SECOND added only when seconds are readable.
h=3 m=40
